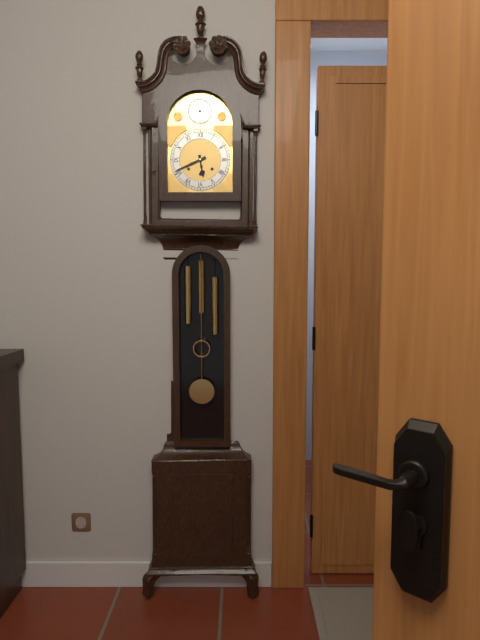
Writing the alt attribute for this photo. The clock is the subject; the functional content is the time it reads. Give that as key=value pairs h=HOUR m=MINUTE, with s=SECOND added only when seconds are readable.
h=5 m=41
